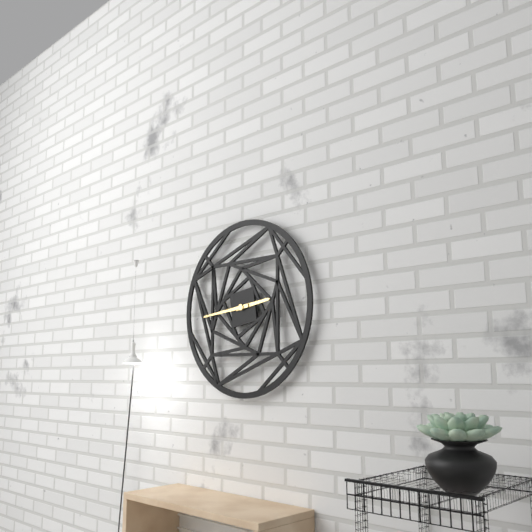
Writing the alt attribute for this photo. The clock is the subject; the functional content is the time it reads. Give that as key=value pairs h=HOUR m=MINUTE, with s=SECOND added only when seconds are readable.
h=2 m=44
